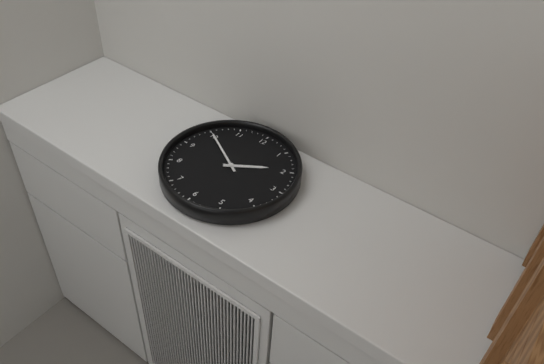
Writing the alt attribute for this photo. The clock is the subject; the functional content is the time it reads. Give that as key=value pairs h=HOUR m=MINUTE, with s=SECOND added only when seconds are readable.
h=1 m=50
